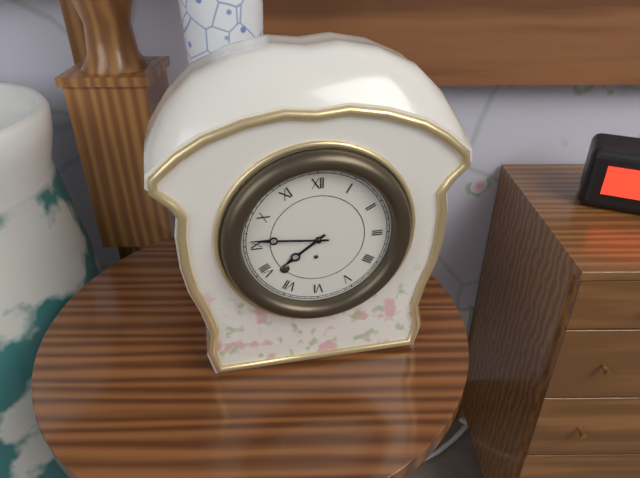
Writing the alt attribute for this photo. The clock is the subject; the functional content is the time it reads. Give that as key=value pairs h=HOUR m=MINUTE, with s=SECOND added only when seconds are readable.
h=7 m=46
